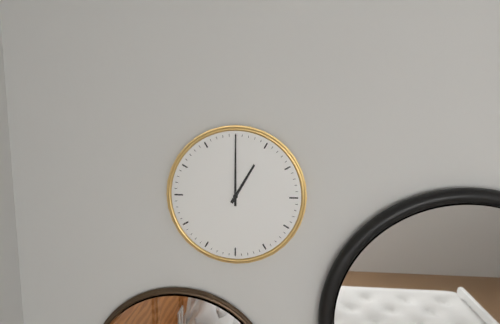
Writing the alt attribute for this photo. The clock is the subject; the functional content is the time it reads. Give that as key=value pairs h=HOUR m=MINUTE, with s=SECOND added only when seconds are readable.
h=1 m=0
